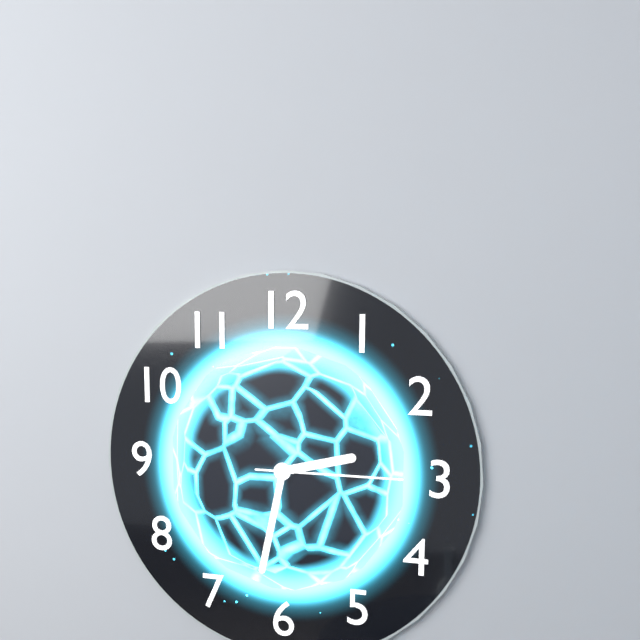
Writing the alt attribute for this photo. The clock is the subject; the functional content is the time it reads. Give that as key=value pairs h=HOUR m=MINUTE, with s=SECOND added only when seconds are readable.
h=2 m=32 s=15
